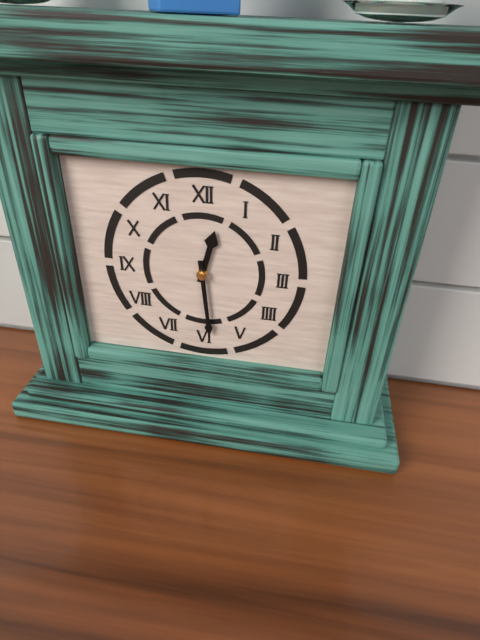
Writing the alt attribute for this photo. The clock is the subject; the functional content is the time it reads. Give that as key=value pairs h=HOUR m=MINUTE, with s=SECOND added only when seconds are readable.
h=12 m=29
